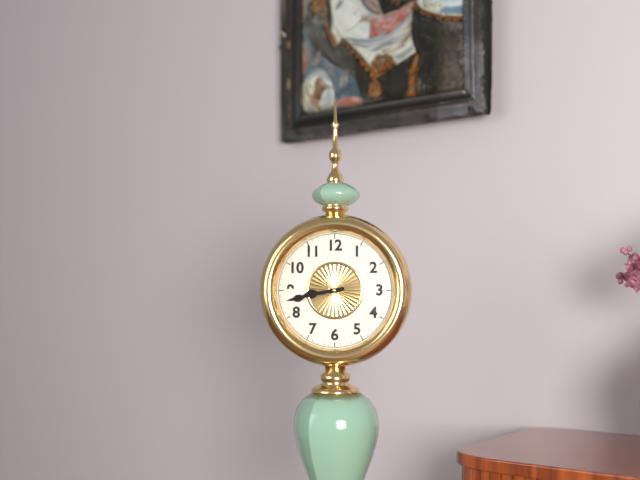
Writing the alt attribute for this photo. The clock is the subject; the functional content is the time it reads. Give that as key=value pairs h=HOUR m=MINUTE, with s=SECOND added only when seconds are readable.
h=8 m=43
